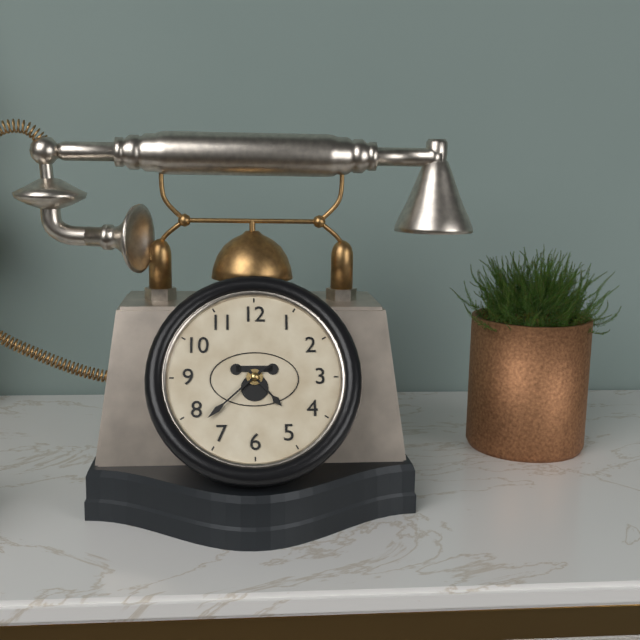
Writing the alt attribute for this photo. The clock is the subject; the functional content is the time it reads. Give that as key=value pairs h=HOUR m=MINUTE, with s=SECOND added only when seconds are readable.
h=4 m=38
